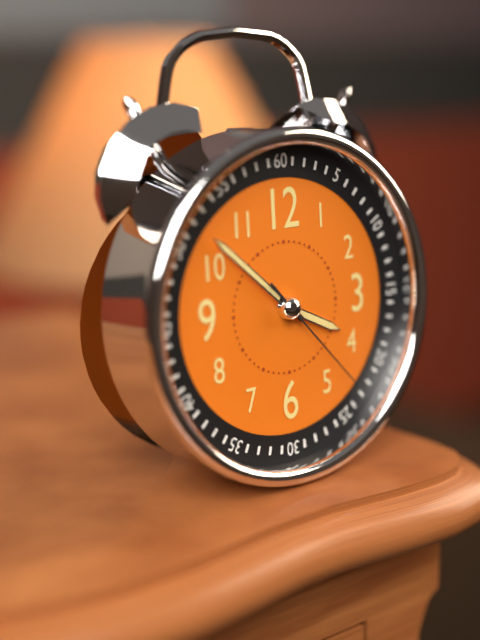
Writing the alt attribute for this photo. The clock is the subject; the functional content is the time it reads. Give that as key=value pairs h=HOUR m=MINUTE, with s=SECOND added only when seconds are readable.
h=3 m=52 s=23
